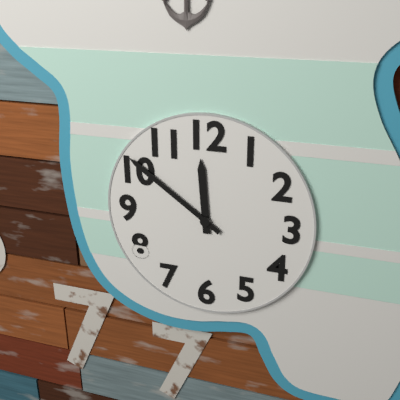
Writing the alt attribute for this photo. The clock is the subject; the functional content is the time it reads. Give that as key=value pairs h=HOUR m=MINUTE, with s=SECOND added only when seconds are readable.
h=11 m=51
